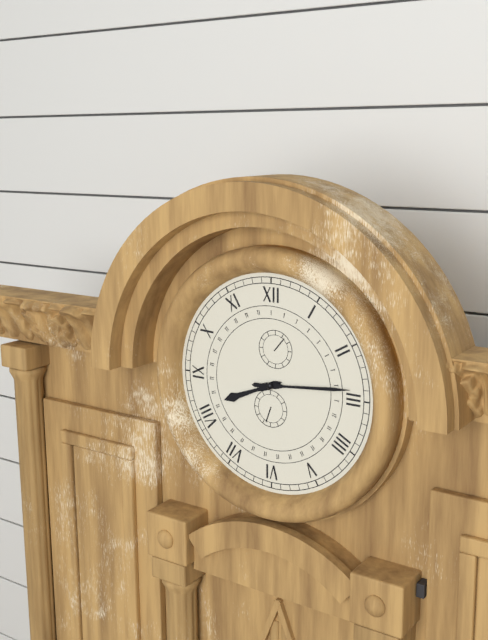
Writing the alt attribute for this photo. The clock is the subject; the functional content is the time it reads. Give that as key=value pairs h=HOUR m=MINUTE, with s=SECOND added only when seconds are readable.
h=8 m=14
